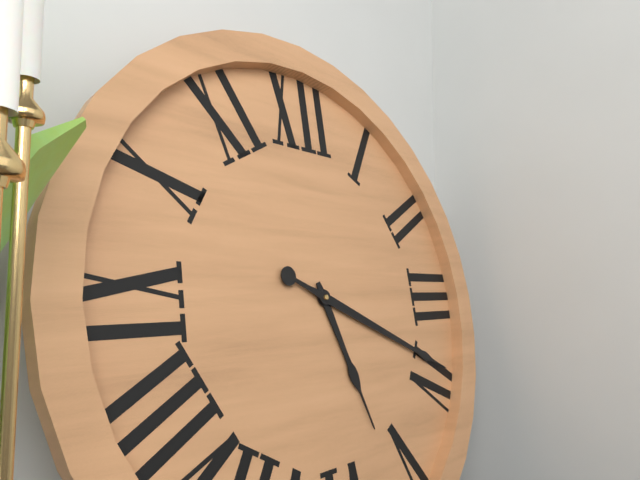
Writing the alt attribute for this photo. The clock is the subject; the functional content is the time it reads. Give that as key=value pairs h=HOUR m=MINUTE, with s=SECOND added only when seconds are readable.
h=5 m=19
